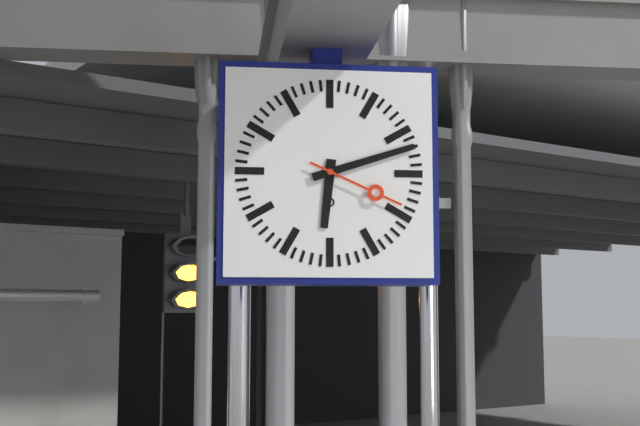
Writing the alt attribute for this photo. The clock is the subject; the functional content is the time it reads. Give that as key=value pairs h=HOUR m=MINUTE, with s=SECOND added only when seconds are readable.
h=6 m=12 s=19
